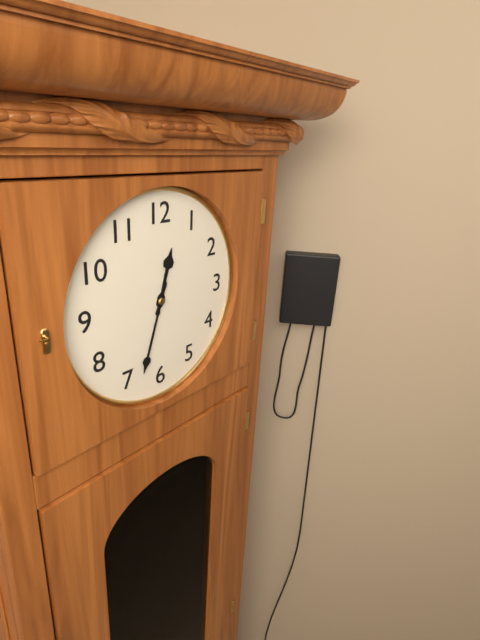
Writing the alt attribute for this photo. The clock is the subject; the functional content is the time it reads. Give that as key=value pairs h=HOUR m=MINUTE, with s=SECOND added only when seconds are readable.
h=12 m=33
